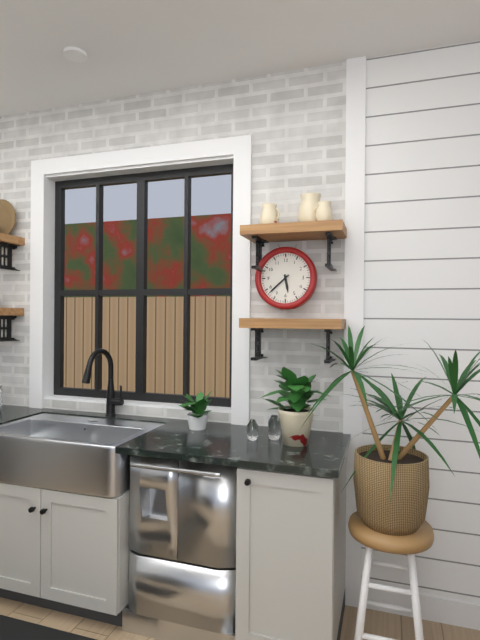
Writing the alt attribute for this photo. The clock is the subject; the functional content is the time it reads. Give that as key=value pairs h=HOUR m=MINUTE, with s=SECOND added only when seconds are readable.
h=5 m=38
